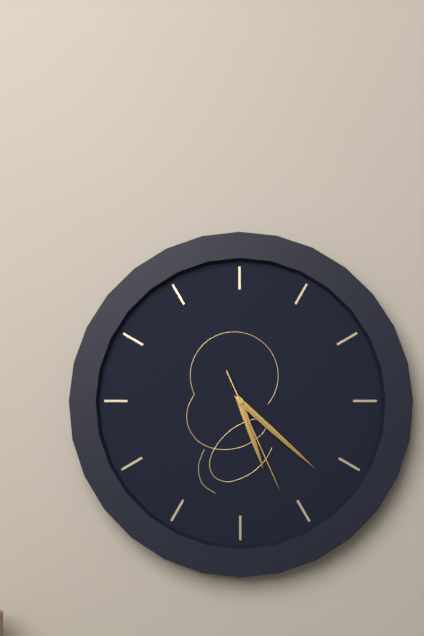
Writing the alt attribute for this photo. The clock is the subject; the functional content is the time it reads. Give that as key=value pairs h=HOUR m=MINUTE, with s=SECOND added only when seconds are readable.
h=5 m=22 s=26
